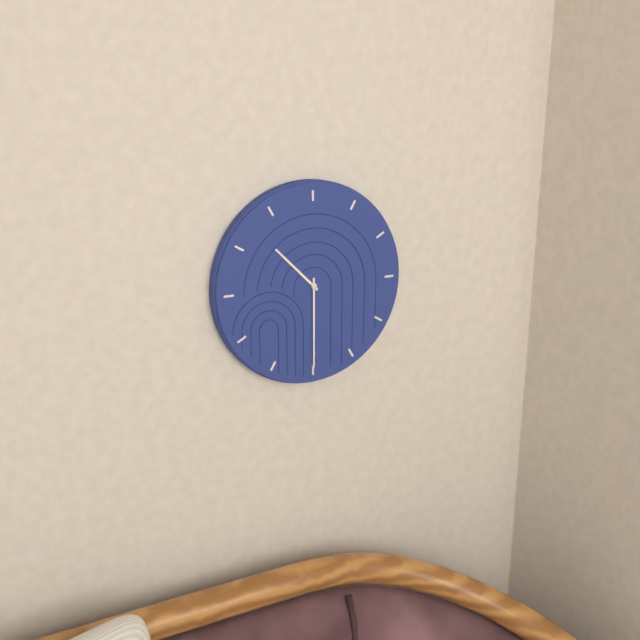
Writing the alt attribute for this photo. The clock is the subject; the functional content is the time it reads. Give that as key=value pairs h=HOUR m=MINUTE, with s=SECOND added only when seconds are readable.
h=10 m=30
